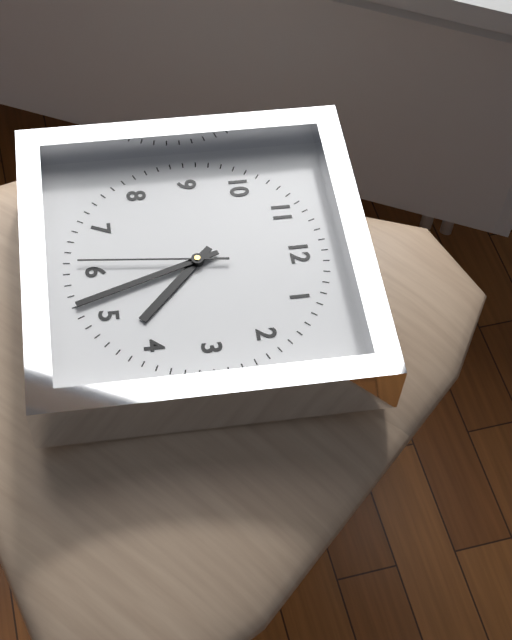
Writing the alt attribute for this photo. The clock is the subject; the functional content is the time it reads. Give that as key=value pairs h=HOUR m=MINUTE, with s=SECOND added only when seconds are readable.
h=4 m=27 s=31
